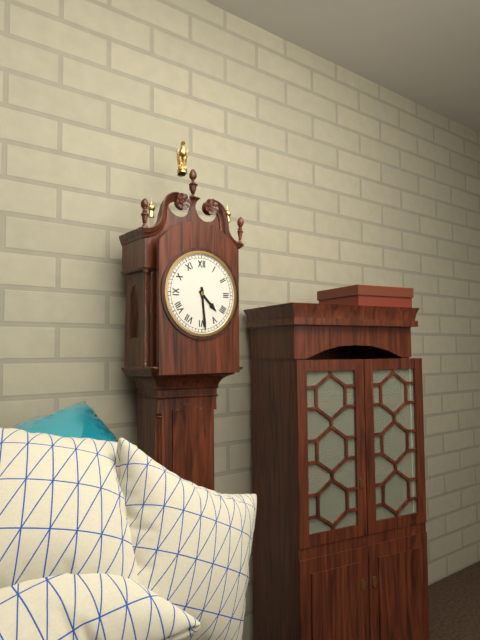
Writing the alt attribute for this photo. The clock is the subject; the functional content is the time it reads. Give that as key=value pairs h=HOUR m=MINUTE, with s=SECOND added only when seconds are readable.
h=4 m=29
